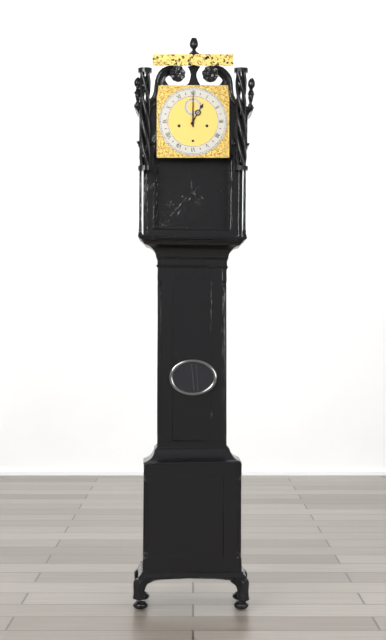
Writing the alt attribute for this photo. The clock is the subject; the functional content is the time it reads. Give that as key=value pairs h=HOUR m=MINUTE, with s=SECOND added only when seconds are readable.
h=1 m=0
